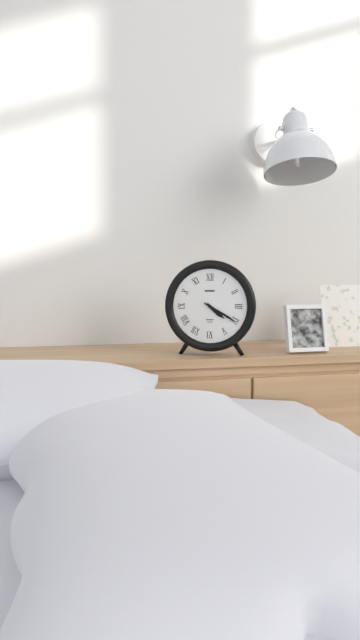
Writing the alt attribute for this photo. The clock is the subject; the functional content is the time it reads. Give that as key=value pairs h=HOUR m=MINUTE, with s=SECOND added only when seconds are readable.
h=4 m=20
